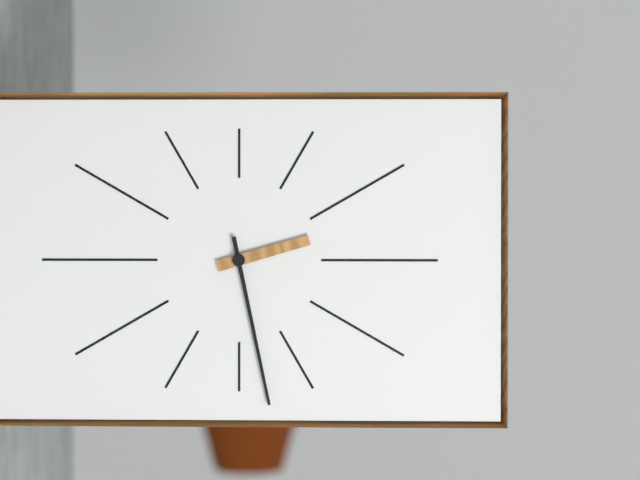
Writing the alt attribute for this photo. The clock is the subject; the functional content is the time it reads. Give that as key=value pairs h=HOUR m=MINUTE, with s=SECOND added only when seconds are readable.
h=2 m=28
